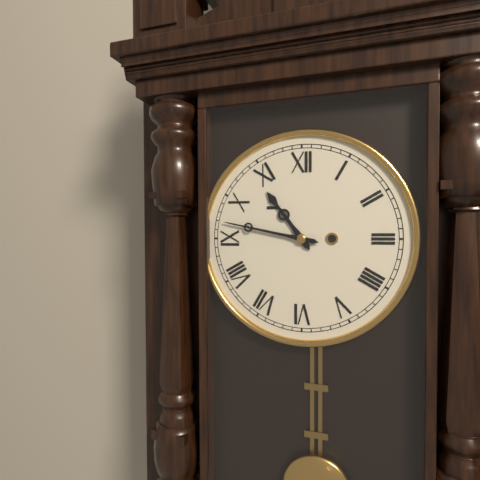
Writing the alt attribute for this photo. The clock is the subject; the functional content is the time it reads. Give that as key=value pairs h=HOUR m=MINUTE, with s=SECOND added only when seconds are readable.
h=10 m=47
